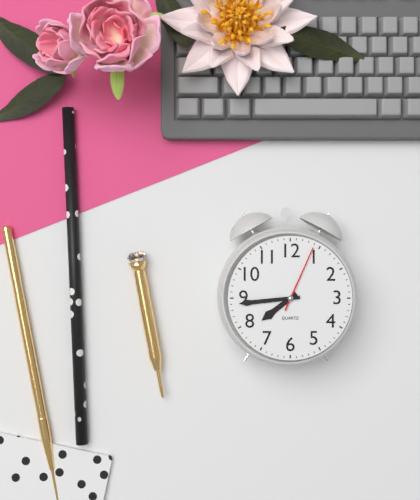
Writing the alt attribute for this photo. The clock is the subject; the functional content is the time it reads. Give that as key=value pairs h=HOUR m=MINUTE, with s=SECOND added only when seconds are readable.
h=7 m=44 s=4
